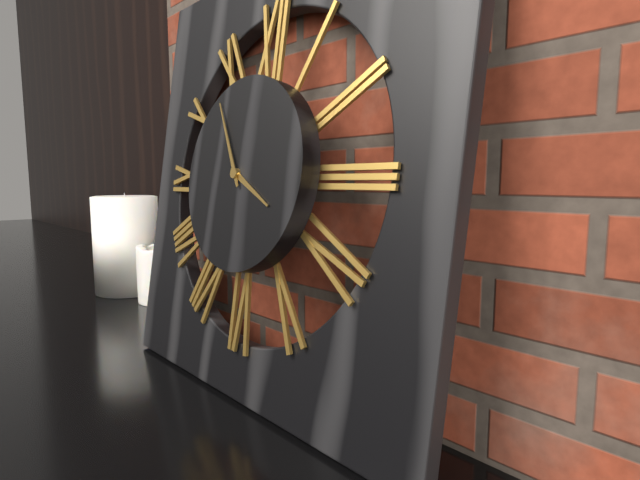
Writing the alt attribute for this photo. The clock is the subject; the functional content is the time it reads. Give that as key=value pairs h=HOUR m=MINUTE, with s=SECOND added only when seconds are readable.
h=3 m=55
